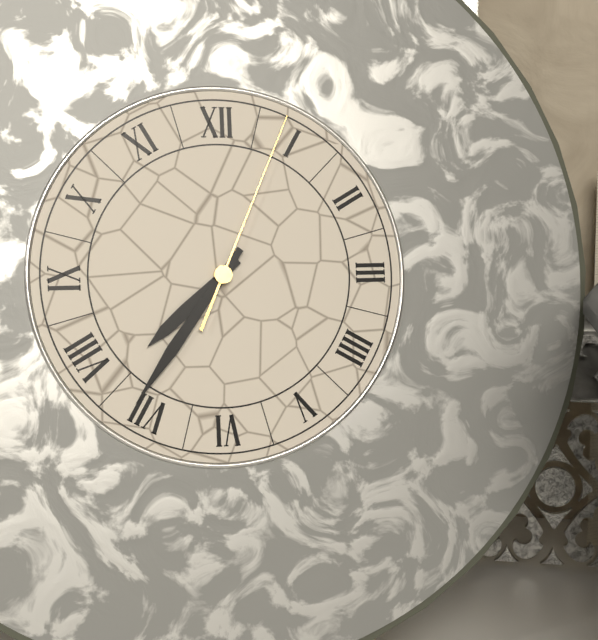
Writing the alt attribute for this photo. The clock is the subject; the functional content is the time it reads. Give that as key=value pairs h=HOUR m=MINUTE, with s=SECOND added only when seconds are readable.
h=7 m=36 s=4
